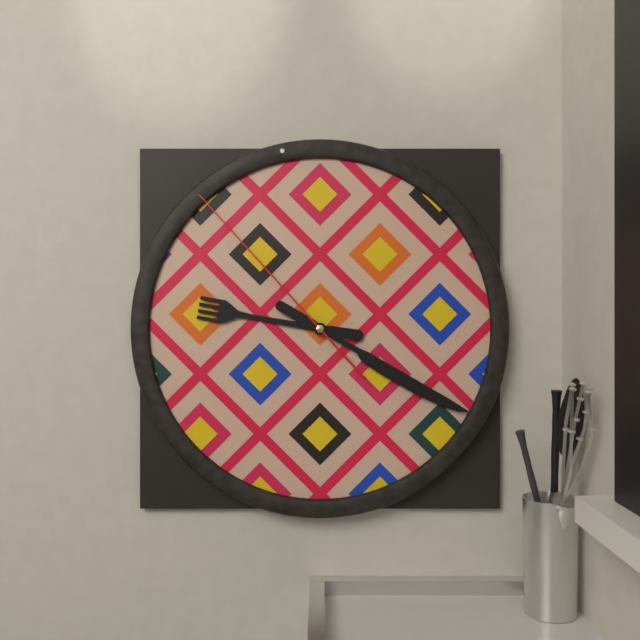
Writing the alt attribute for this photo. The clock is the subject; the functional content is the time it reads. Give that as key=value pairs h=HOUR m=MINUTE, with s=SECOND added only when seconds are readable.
h=9 m=20 s=53
